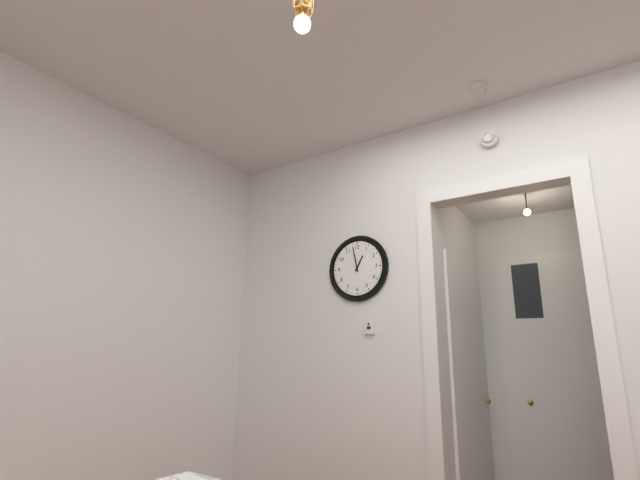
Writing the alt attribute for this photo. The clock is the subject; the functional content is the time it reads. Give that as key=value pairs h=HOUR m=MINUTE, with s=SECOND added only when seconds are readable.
h=12 m=58
